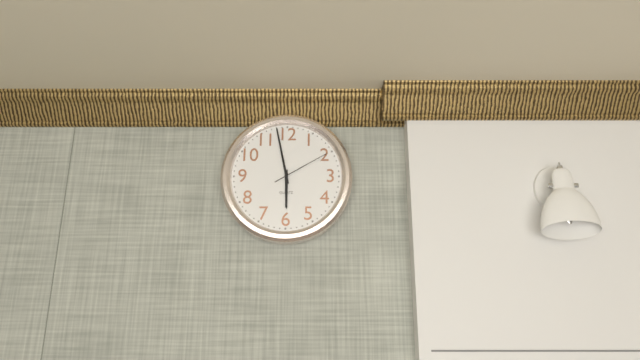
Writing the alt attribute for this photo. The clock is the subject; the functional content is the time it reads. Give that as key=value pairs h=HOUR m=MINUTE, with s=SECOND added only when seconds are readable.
h=5 m=58 s=10
